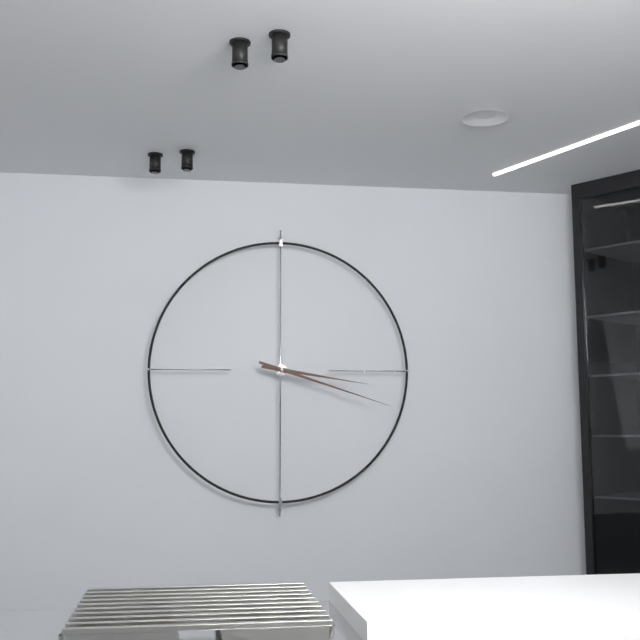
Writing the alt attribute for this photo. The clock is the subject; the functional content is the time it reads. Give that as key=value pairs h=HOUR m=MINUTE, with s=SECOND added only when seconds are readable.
h=3 m=18
